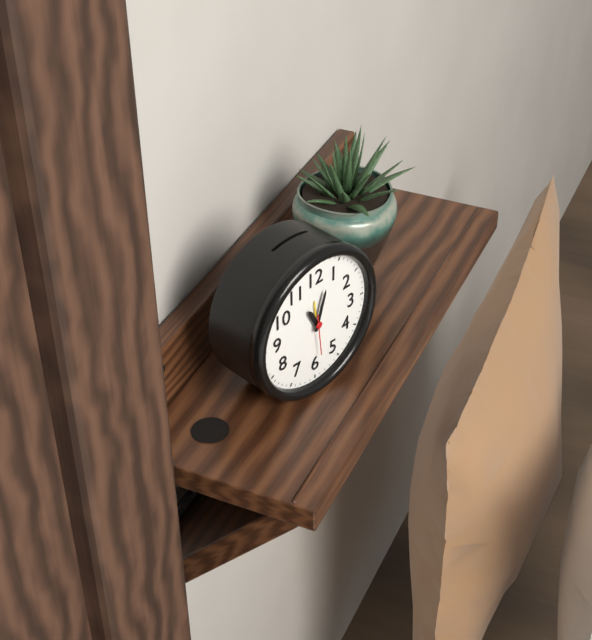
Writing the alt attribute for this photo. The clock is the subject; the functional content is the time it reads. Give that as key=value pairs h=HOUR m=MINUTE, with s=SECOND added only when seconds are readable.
h=11 m=3
